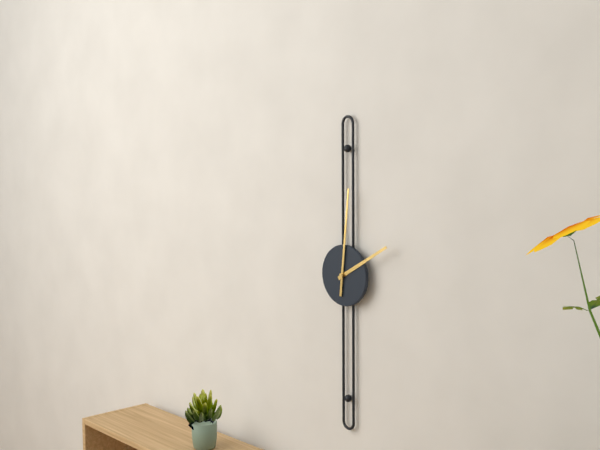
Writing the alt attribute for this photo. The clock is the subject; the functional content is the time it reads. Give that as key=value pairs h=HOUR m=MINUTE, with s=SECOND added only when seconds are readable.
h=2 m=1
